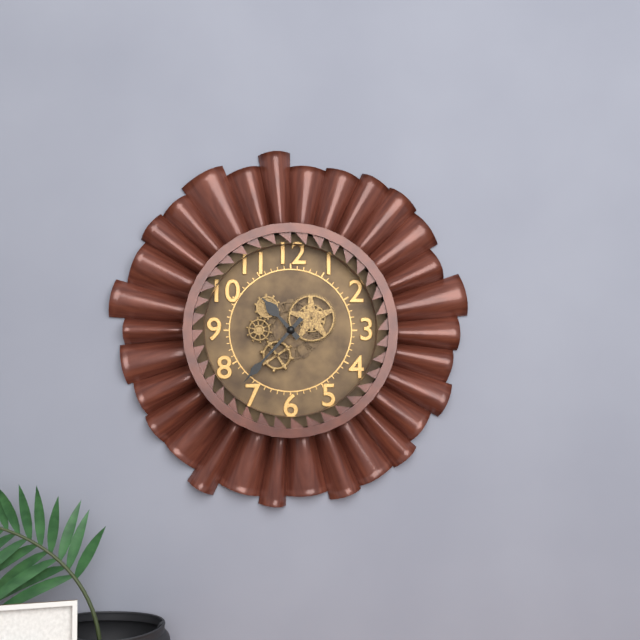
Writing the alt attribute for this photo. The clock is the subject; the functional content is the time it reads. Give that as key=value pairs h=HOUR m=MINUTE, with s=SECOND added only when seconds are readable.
h=10 m=37
